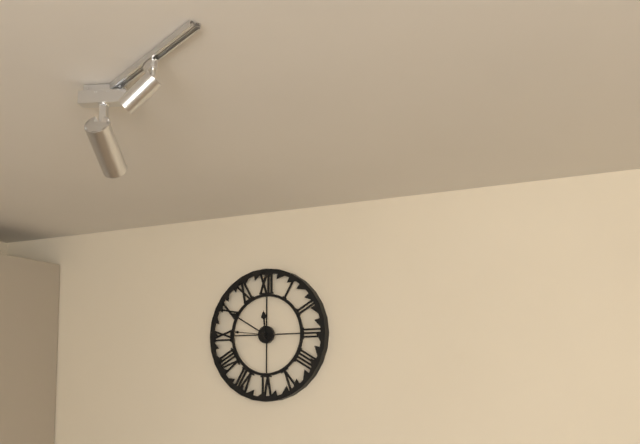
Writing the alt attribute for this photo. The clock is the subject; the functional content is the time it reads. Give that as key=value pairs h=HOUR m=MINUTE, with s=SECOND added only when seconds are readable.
h=11 m=50
